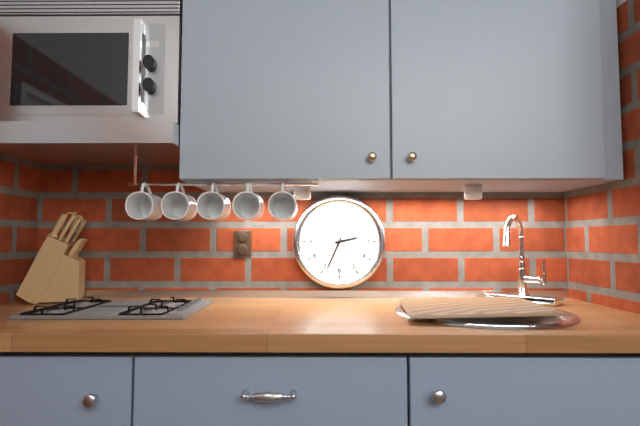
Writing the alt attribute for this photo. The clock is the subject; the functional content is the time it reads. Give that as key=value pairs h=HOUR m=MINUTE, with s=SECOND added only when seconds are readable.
h=2 m=34
